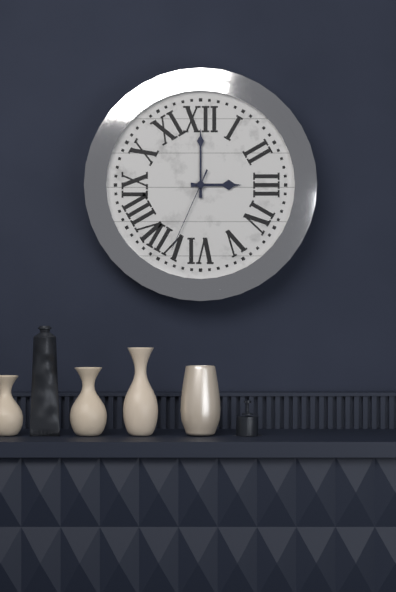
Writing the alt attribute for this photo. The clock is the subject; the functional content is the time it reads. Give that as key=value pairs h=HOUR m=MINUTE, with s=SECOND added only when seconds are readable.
h=3 m=0 s=34
